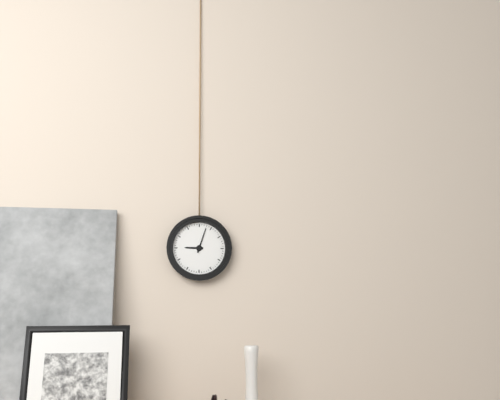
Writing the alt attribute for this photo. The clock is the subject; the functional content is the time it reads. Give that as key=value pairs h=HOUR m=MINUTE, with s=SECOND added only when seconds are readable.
h=9 m=3
